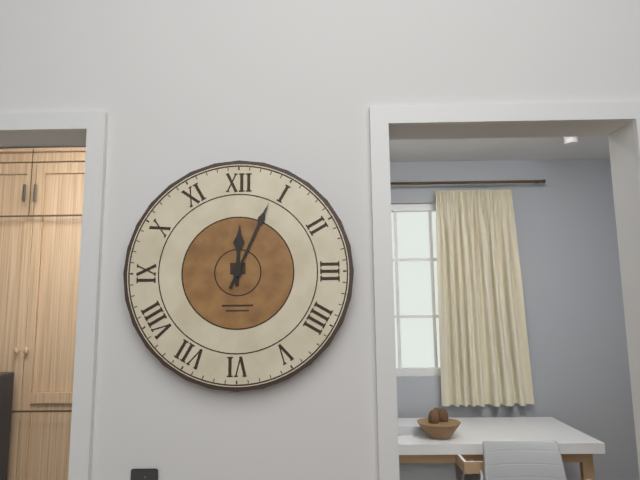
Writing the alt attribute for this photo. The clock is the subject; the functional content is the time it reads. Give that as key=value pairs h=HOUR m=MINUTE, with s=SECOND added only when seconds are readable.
h=12 m=4
